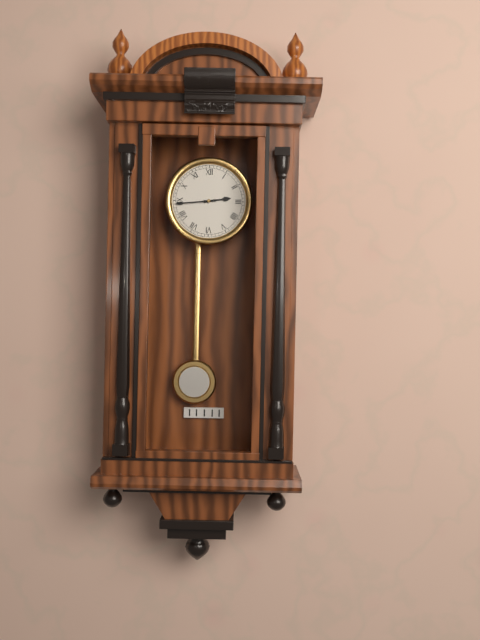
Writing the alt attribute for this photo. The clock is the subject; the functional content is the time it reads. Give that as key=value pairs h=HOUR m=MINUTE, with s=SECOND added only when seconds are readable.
h=2 m=44
